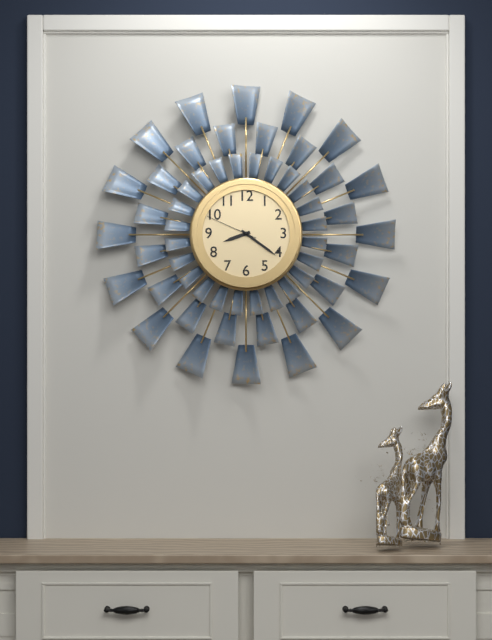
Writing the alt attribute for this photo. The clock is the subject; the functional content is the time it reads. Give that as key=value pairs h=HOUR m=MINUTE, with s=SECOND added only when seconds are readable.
h=8 m=21 s=49
